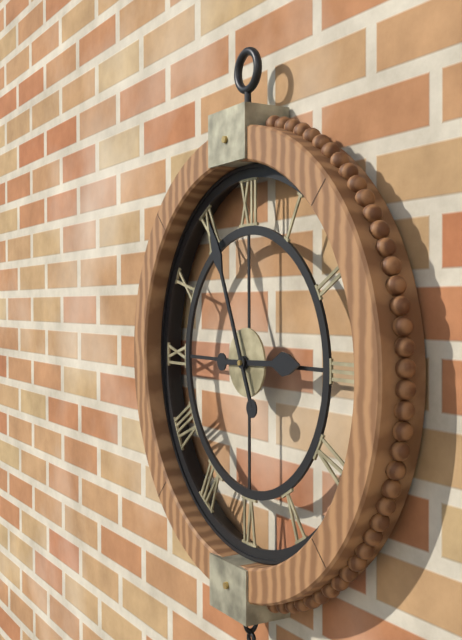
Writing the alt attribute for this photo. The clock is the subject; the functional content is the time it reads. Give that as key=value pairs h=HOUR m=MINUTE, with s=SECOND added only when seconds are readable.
h=2 m=56
